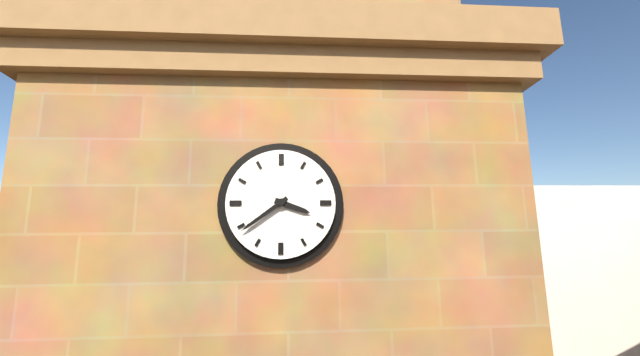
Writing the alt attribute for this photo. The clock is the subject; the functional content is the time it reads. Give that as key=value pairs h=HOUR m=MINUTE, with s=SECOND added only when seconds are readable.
h=3 m=39
